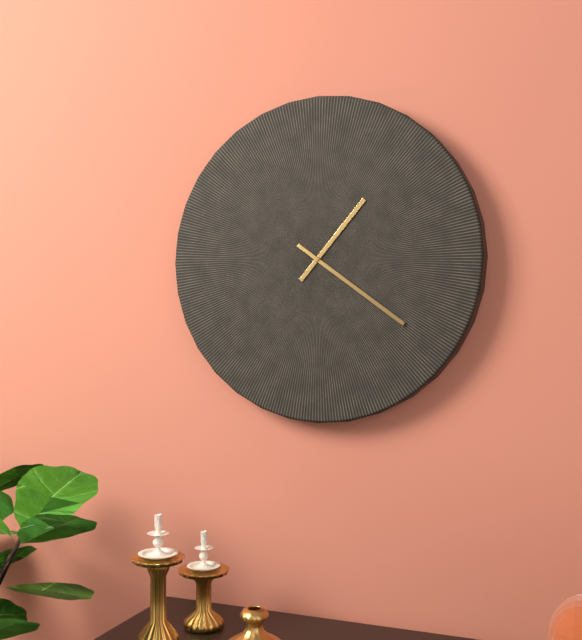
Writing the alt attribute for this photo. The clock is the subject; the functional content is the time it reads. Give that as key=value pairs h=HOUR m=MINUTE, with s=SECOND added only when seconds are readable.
h=1 m=21
